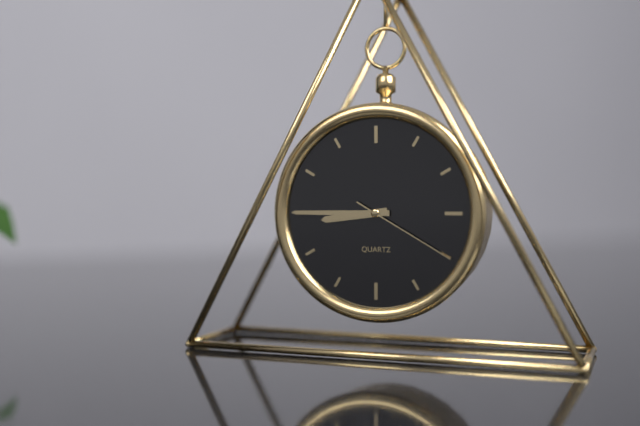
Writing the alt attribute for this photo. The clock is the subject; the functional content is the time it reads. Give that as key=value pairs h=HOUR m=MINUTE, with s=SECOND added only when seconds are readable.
h=8 m=45 s=20
